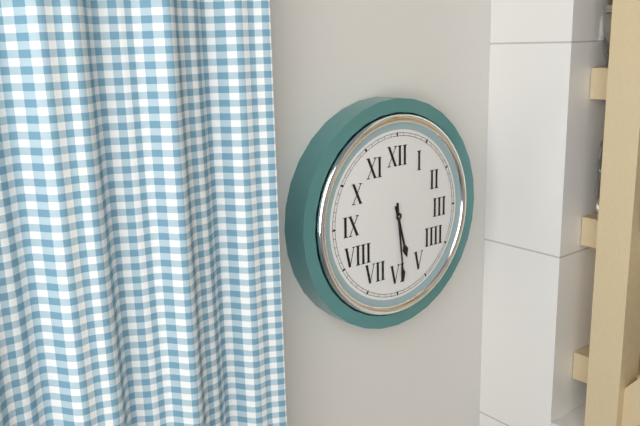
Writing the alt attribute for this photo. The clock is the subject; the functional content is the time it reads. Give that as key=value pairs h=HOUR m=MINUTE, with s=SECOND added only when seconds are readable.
h=5 m=29
